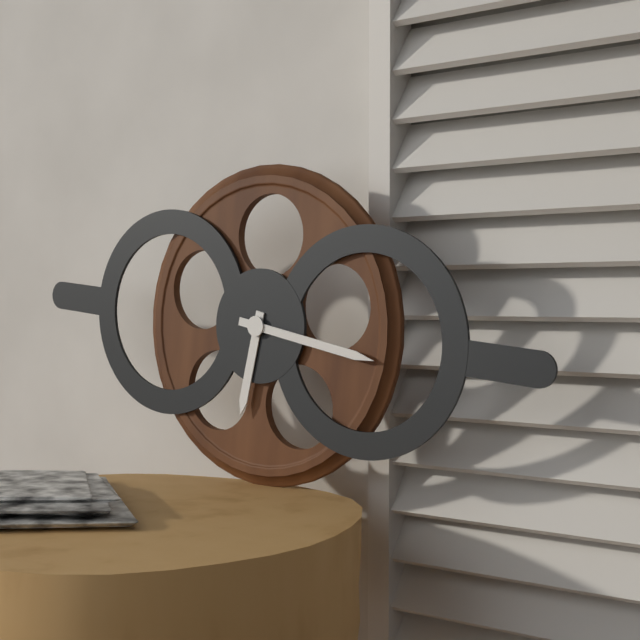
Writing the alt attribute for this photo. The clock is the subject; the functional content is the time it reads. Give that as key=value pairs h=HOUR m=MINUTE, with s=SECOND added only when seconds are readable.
h=6 m=16
